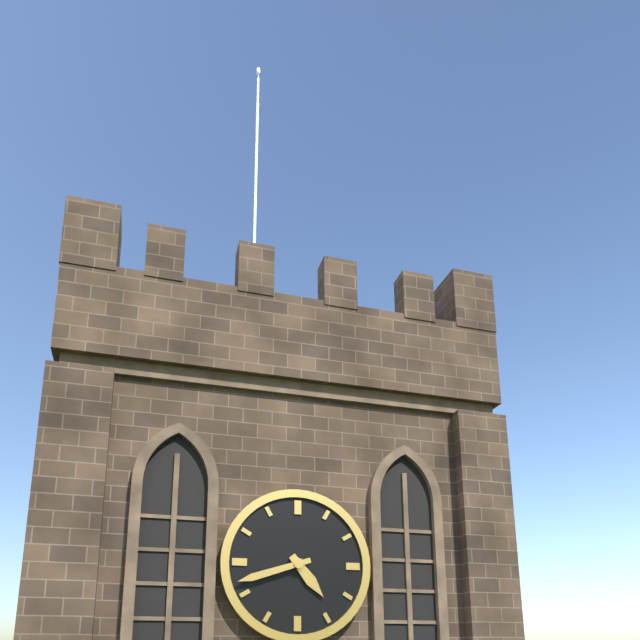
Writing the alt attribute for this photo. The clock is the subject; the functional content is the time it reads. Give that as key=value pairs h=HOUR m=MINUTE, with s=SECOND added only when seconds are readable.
h=4 m=42
